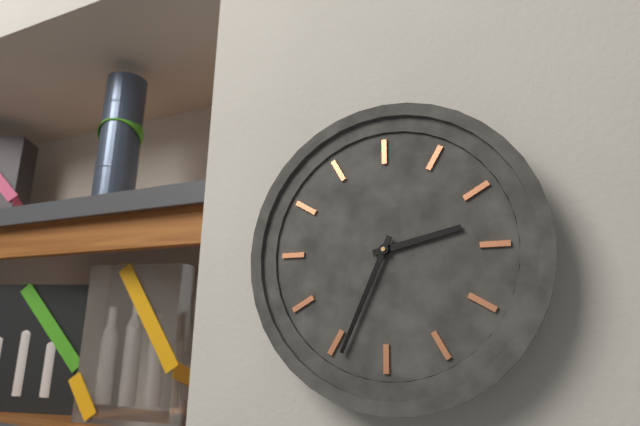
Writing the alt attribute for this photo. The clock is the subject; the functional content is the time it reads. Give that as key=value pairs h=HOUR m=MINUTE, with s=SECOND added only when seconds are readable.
h=2 m=34
